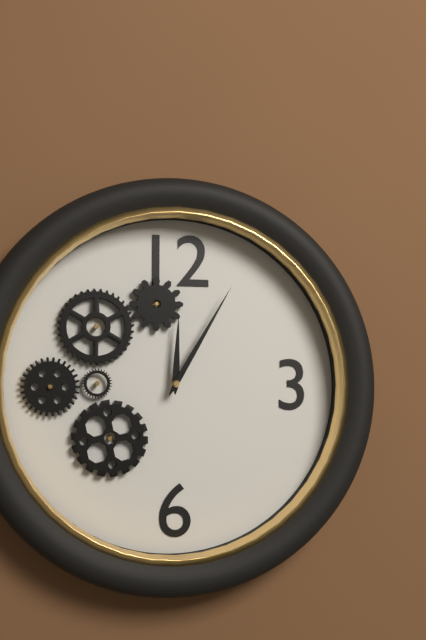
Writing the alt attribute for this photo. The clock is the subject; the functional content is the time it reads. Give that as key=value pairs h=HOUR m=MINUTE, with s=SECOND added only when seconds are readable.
h=12 m=5
